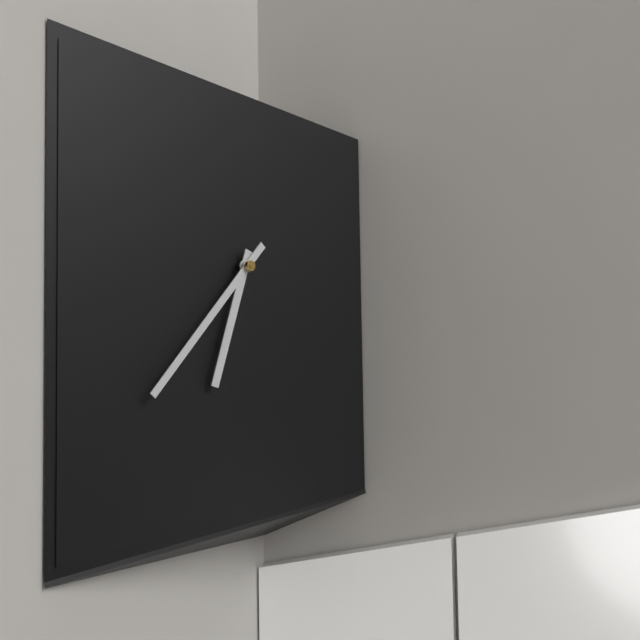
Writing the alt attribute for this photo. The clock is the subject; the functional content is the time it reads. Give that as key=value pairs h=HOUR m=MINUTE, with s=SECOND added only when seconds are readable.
h=6 m=37
